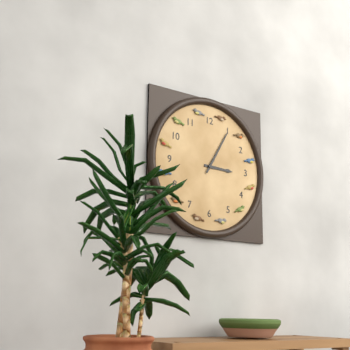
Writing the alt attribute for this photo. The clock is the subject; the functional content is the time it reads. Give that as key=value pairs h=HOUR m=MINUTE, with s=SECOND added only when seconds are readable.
h=3 m=5
